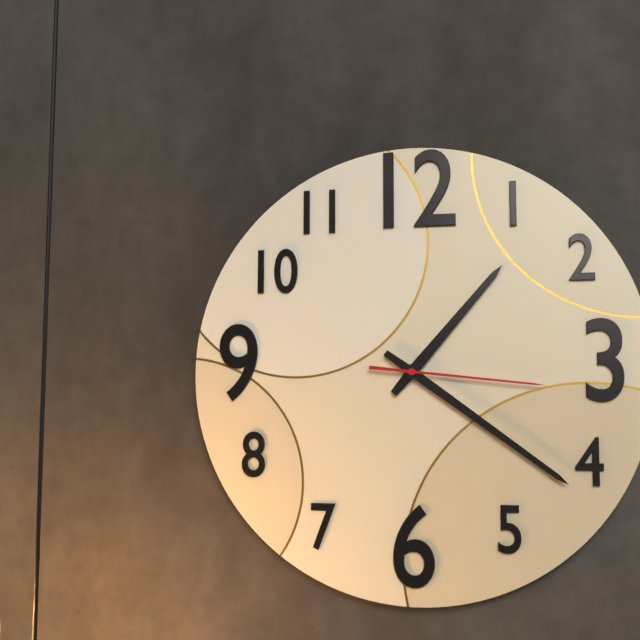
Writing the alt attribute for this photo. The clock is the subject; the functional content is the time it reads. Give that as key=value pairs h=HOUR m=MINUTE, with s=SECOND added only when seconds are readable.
h=1 m=21 s=16
